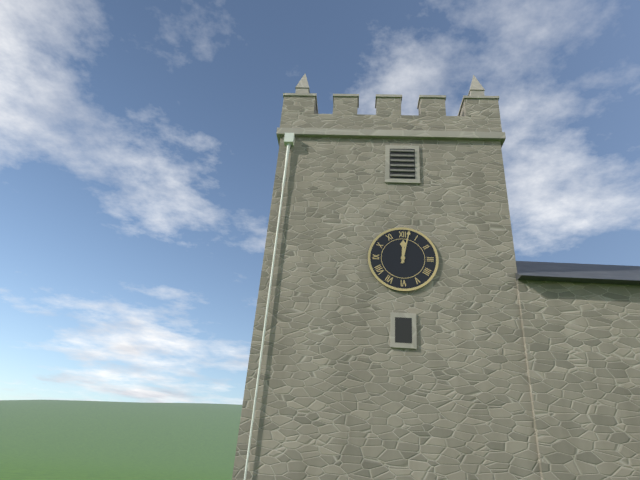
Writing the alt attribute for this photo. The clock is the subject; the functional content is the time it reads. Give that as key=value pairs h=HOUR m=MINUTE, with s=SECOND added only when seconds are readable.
h=12 m=2
